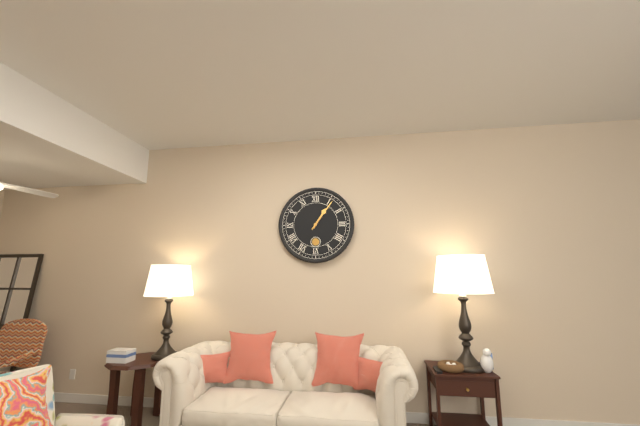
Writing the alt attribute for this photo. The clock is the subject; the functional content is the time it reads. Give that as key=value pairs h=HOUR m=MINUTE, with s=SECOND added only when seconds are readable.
h=1 m=6
